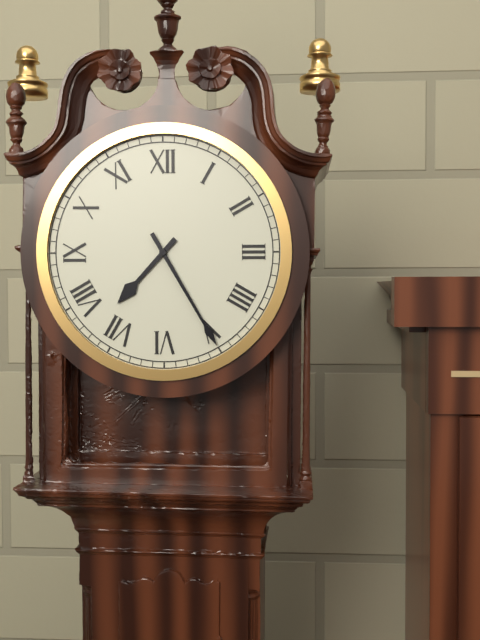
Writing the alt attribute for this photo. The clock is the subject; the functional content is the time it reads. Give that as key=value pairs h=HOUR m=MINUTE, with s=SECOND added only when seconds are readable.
h=7 m=25
